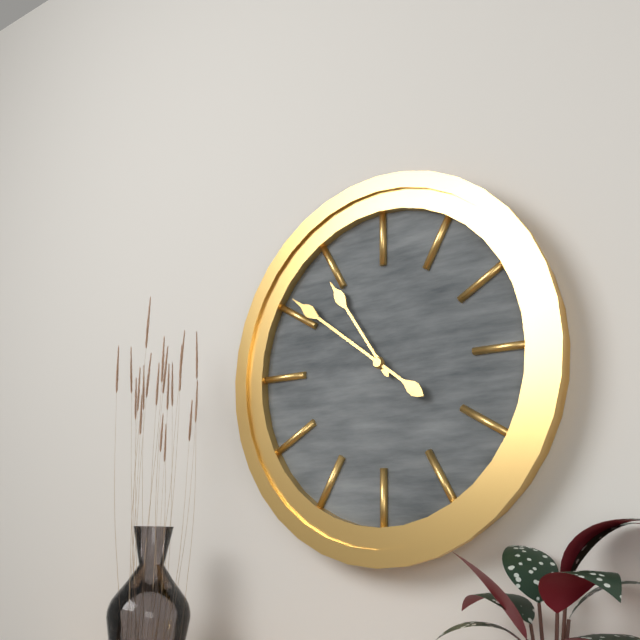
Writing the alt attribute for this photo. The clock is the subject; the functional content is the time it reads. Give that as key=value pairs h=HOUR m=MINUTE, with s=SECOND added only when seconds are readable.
h=10 m=51
